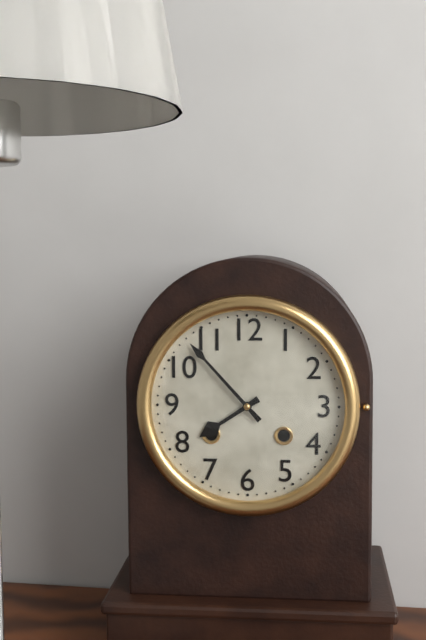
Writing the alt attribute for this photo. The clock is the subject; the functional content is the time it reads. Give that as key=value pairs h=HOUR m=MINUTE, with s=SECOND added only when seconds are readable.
h=7 m=53
